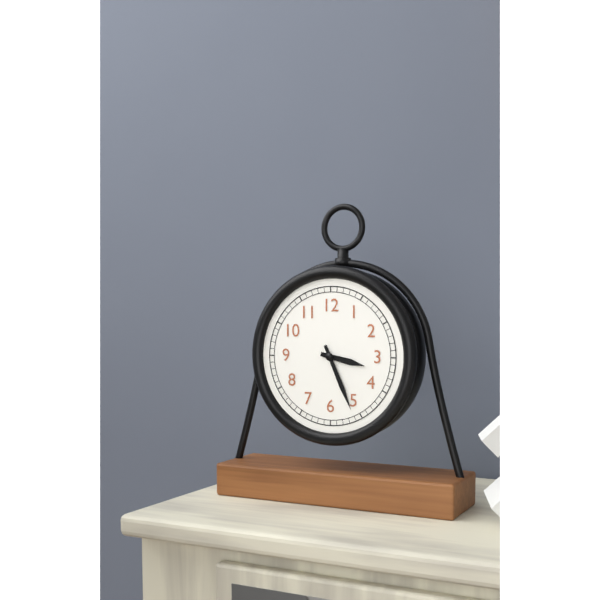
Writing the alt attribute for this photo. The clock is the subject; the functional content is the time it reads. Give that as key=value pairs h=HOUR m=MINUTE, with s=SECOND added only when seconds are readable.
h=3 m=26
